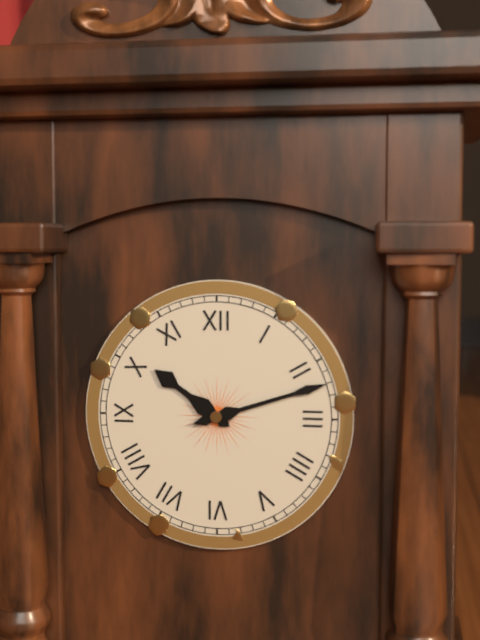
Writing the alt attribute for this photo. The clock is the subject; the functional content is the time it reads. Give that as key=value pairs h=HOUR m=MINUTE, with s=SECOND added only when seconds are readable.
h=10 m=12
